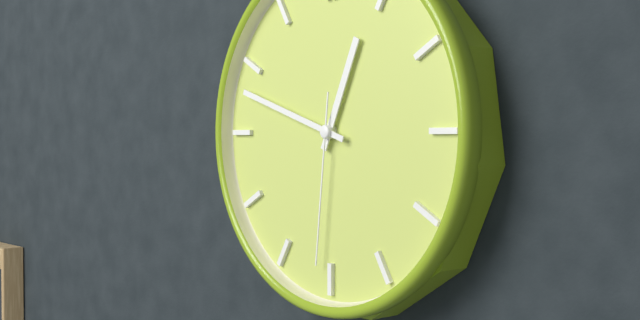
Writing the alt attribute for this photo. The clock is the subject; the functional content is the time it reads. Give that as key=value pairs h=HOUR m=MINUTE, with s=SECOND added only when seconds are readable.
h=12 m=48 s=31
